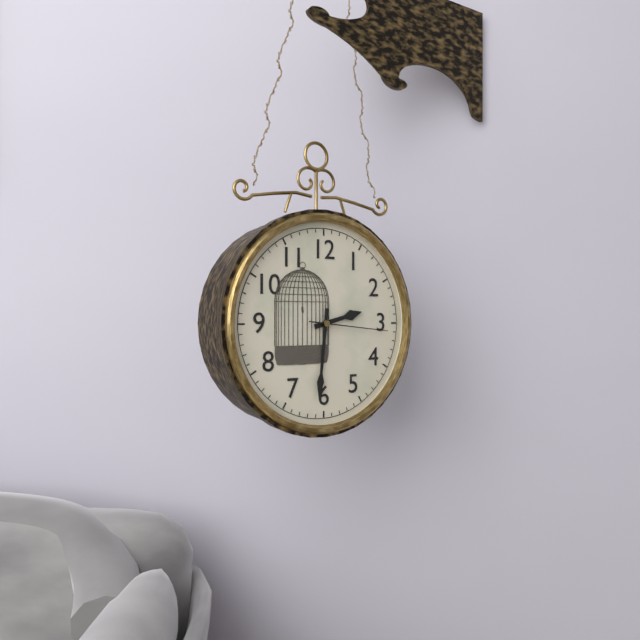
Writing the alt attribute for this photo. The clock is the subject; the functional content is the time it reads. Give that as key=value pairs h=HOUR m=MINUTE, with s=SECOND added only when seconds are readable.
h=2 m=31 s=16
